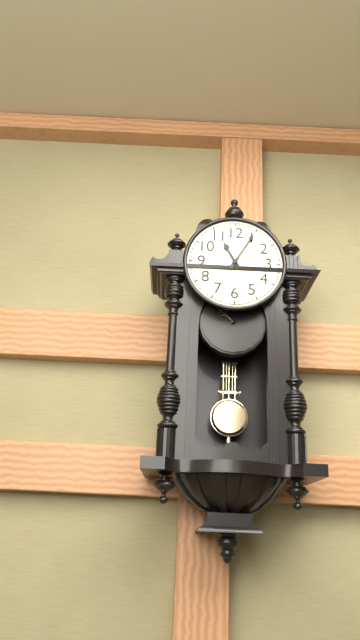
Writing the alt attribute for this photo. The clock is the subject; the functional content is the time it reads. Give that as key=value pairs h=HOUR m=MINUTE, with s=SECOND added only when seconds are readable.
h=11 m=5
